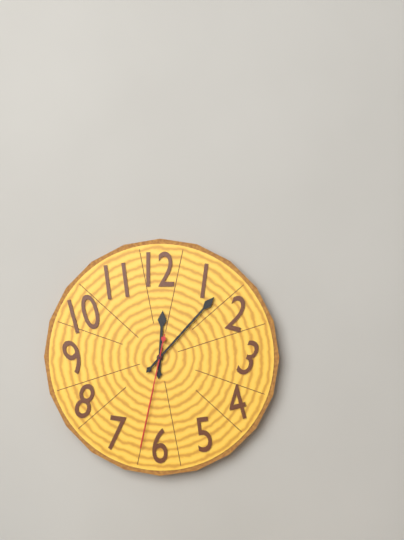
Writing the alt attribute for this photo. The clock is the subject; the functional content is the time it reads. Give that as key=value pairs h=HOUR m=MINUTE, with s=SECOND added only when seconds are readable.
h=12 m=7 s=32
